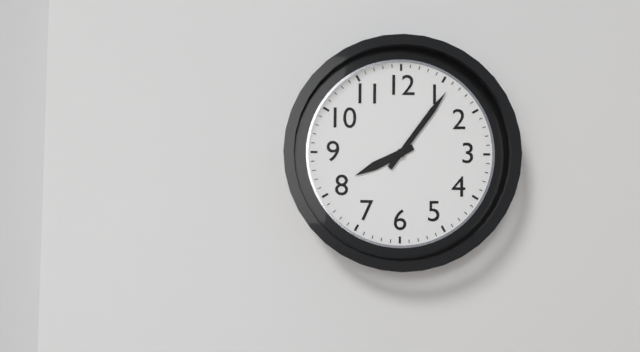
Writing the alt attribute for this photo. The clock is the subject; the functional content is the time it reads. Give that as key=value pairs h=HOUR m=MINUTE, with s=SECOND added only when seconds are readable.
h=8 m=6
